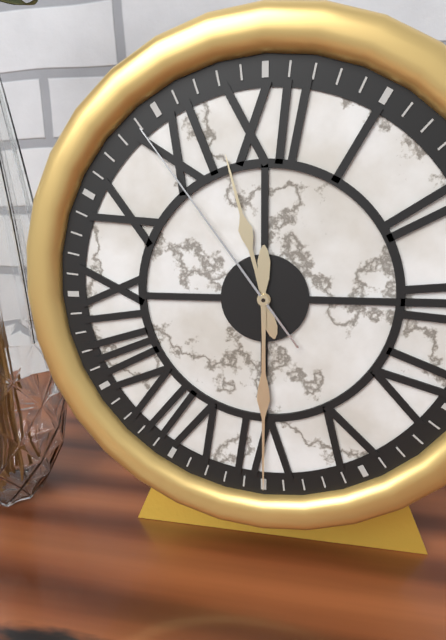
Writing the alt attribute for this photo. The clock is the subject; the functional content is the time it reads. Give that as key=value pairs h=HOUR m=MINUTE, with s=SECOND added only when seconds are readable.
h=11 m=30 s=54
